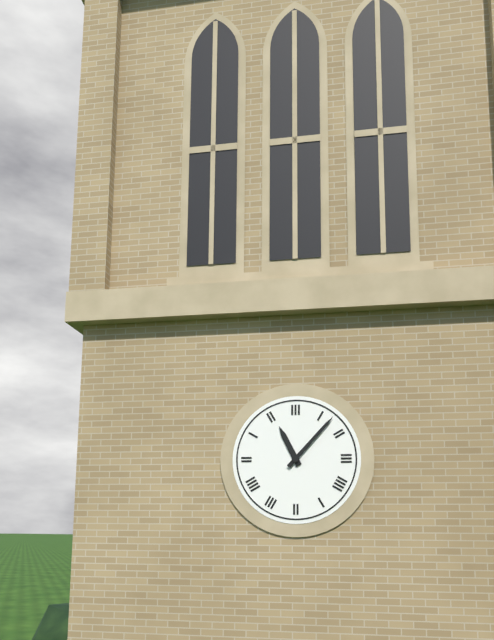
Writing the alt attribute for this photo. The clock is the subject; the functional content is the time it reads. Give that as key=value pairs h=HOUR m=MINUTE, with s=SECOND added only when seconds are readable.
h=11 m=7
